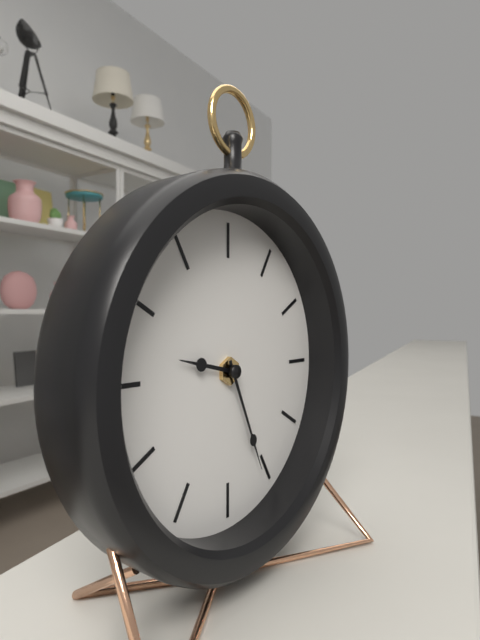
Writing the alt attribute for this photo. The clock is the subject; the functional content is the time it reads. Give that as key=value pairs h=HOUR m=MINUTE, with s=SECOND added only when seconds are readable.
h=9 m=26
